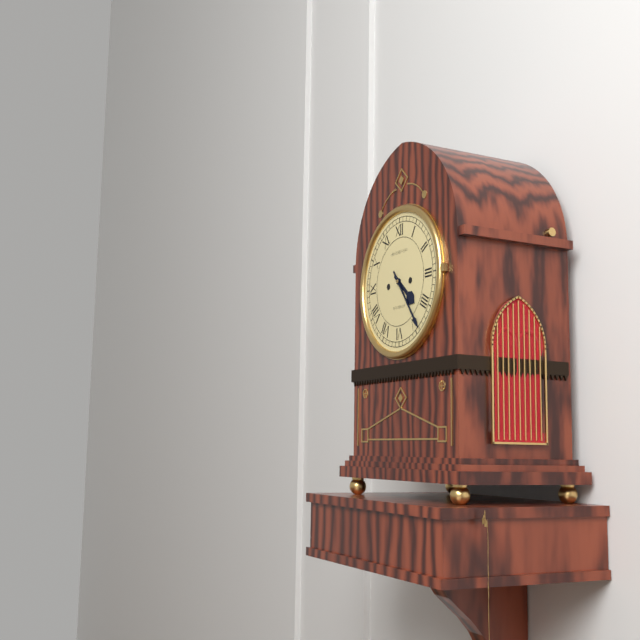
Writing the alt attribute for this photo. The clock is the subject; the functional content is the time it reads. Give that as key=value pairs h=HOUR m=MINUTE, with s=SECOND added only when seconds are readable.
h=4 m=24
